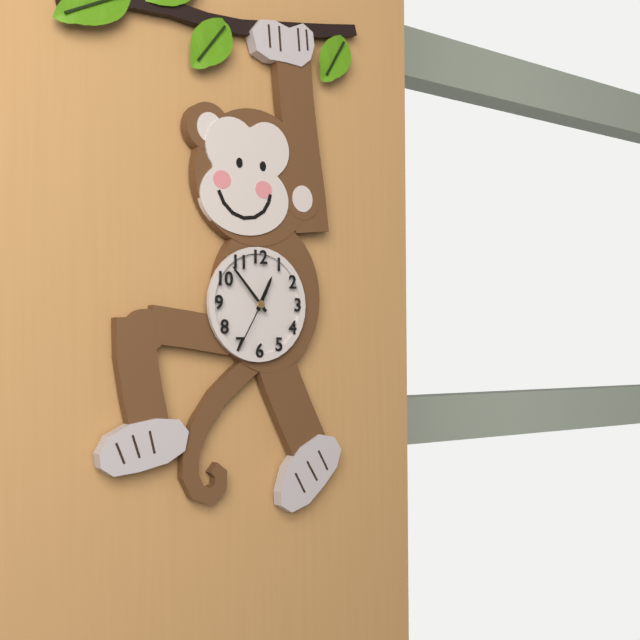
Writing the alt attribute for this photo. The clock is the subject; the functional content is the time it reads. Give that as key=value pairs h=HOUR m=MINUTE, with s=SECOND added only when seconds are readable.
h=12 m=53 s=35
